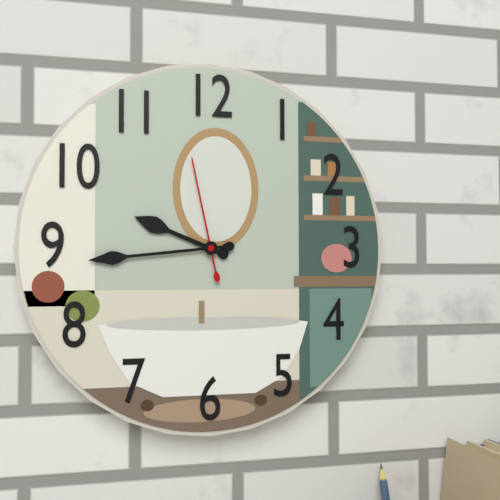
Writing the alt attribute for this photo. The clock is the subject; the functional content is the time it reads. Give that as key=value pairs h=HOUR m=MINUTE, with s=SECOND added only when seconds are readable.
h=9 m=44 s=58
